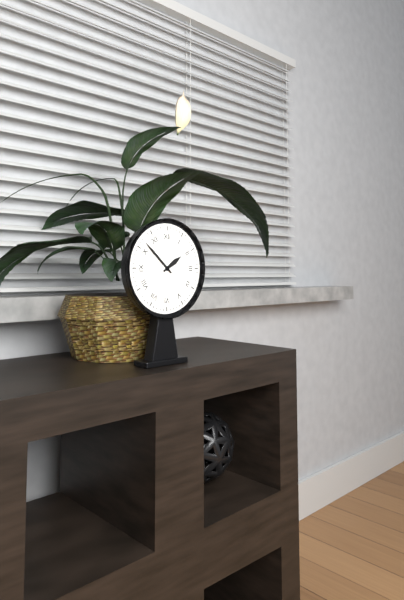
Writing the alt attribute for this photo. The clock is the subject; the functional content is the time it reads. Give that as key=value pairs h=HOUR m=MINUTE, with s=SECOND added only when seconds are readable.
h=1 m=52
